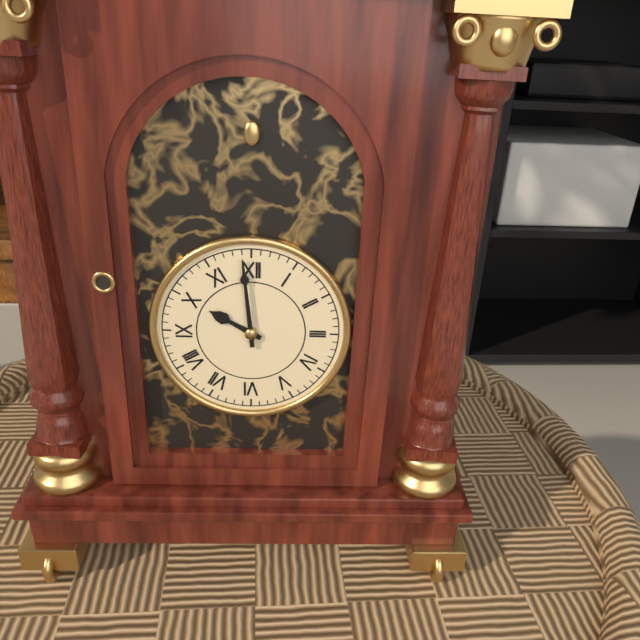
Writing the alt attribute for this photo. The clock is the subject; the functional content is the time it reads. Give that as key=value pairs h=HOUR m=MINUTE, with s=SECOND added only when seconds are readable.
h=9 m=59
